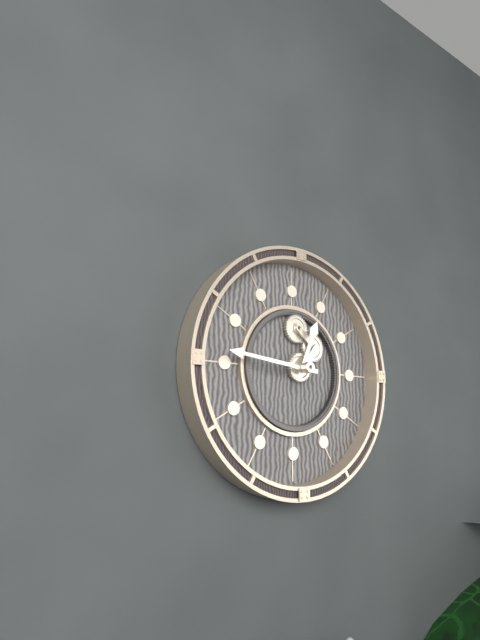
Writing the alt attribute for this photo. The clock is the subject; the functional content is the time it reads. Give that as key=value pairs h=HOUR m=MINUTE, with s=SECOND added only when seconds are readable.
h=12 m=46
